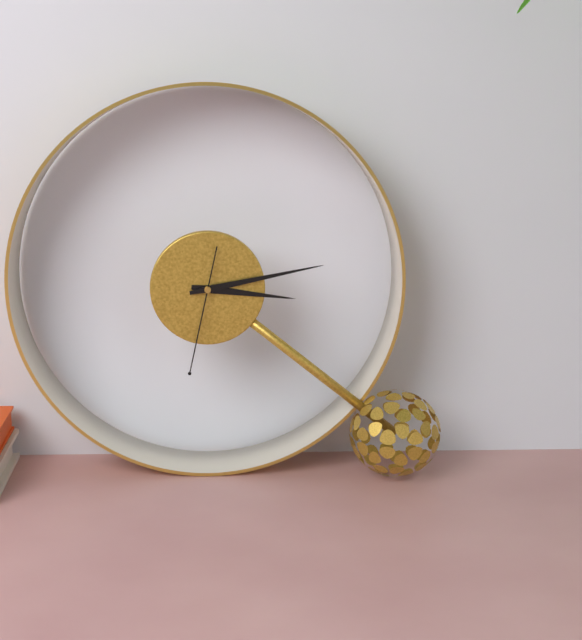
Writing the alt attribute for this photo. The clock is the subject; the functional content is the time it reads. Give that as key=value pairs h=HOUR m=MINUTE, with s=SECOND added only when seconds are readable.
h=3 m=13 s=32
